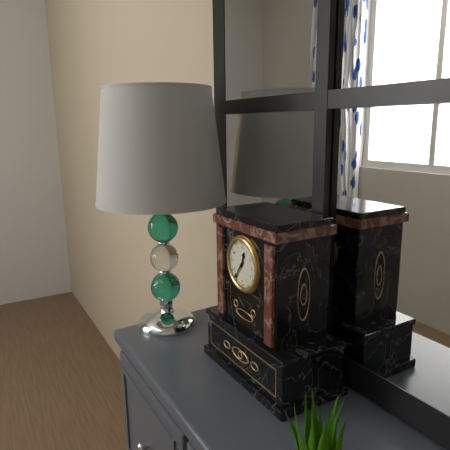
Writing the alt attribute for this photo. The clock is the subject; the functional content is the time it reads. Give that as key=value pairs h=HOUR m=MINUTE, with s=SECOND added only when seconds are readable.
h=12 m=36
